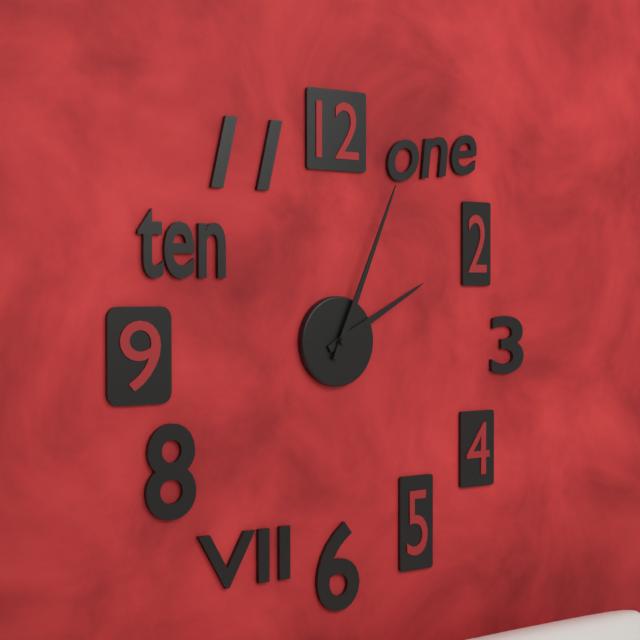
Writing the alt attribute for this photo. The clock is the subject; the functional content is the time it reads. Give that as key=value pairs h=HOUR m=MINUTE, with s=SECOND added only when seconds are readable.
h=2 m=4
